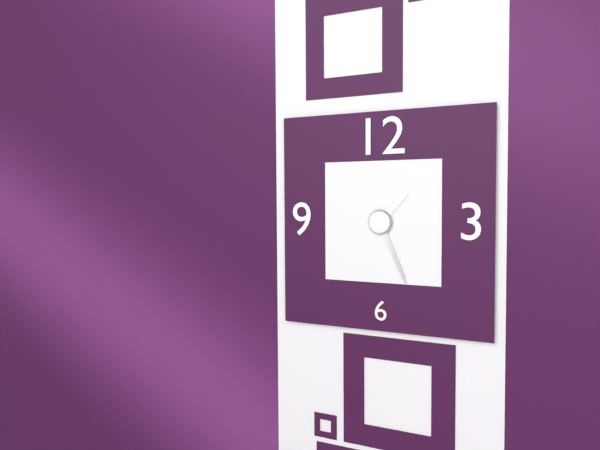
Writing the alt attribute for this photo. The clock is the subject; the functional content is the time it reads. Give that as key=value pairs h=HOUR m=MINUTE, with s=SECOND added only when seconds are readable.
h=1 m=26
